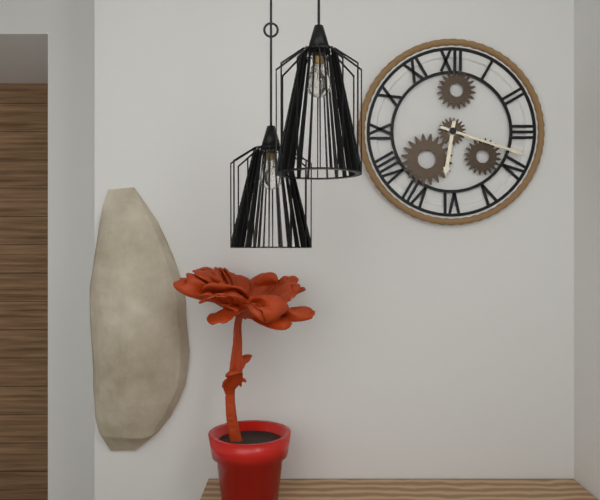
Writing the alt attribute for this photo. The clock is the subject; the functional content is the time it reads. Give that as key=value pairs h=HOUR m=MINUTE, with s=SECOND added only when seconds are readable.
h=6 m=18
